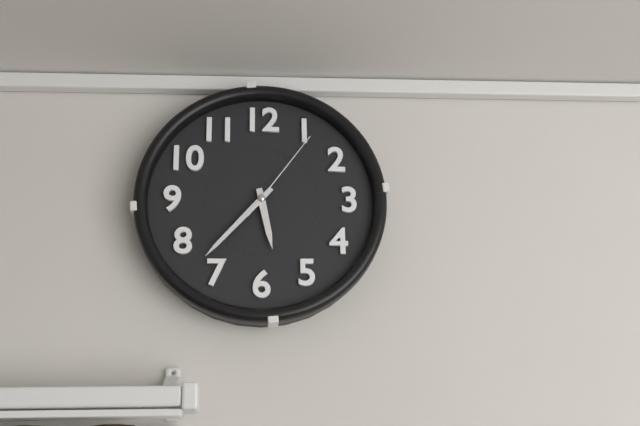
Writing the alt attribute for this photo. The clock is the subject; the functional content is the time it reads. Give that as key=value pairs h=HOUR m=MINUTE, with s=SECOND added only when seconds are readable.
h=5 m=37 s=6
